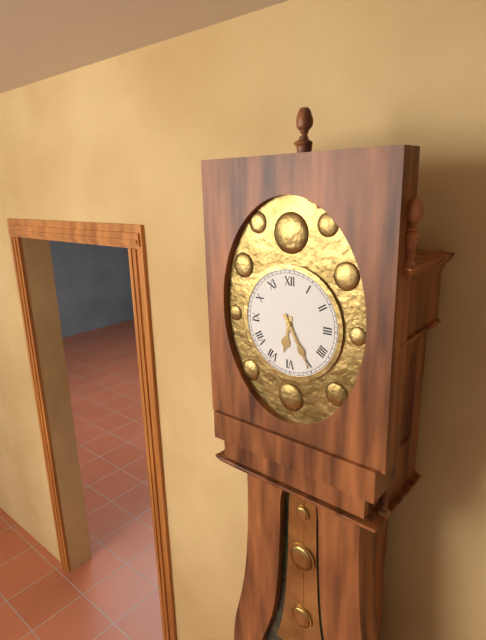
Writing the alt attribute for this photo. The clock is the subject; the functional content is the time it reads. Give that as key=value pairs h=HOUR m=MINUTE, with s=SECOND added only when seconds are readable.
h=6 m=25
